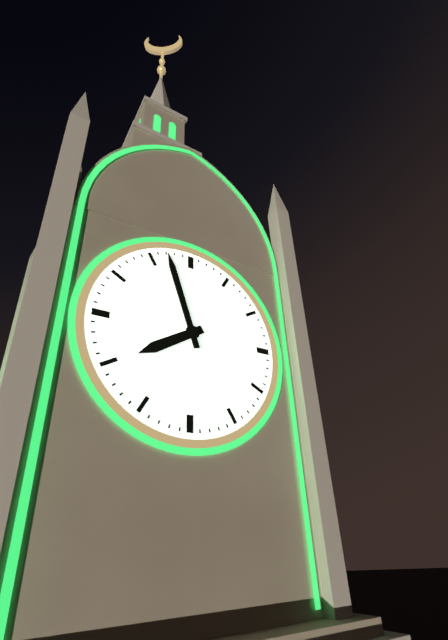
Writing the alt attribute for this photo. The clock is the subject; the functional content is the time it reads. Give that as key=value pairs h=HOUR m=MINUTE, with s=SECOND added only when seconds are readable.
h=7 m=57
